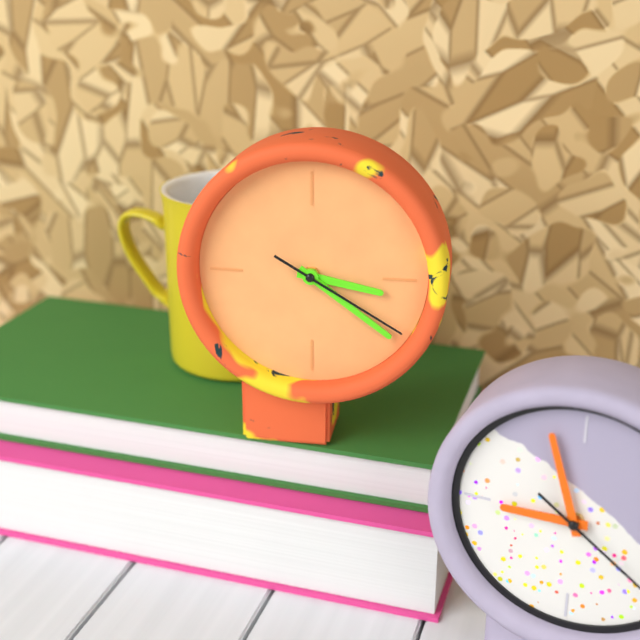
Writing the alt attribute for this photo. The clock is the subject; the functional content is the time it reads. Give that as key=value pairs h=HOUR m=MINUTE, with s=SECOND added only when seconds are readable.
h=3 m=21 s=20
